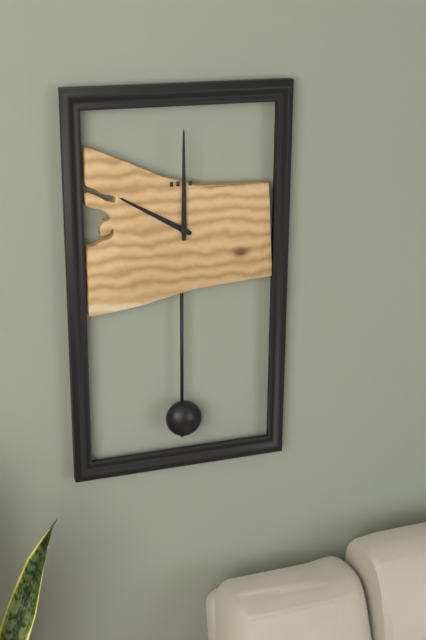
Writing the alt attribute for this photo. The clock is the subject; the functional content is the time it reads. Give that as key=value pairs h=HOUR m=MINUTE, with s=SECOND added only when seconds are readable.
h=10 m=0
